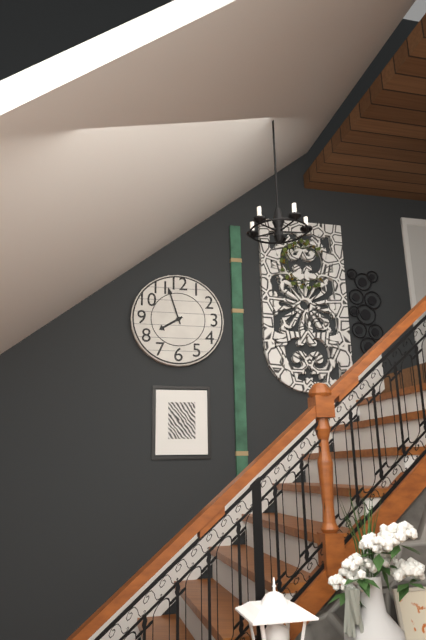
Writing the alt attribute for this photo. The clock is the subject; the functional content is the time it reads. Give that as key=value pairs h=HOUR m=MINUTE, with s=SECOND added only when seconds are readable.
h=7 m=57
